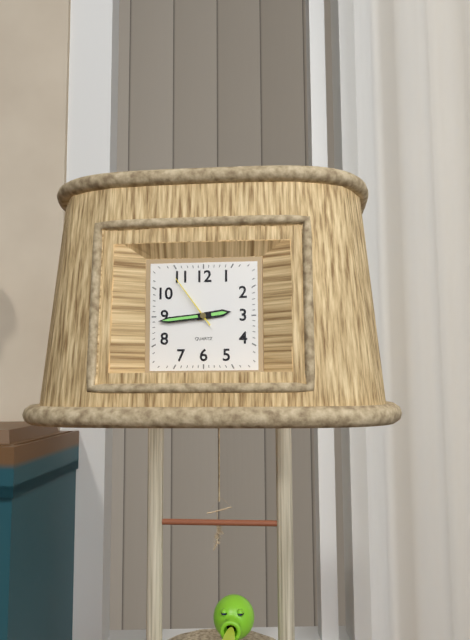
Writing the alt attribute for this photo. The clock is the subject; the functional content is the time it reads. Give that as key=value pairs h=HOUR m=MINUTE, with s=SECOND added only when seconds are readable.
h=2 m=44 s=54
